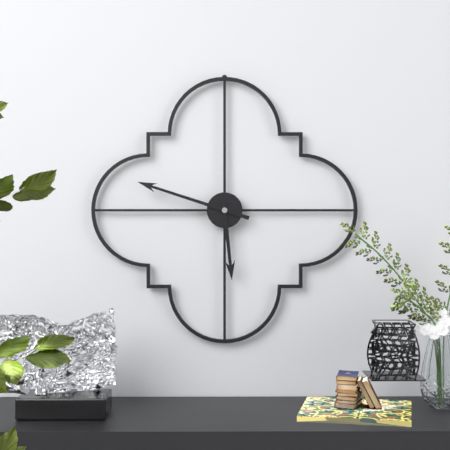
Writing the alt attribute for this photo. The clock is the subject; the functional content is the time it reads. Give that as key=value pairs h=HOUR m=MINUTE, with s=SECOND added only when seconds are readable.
h=5 m=48
